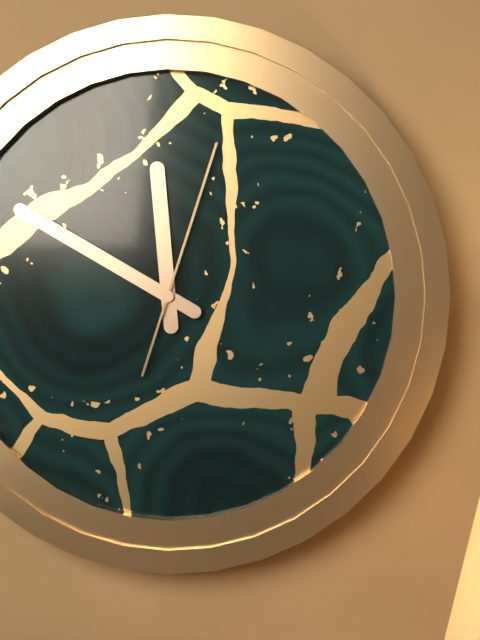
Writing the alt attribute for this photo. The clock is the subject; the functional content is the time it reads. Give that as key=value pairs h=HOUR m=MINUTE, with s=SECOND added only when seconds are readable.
h=11 m=50 s=3
